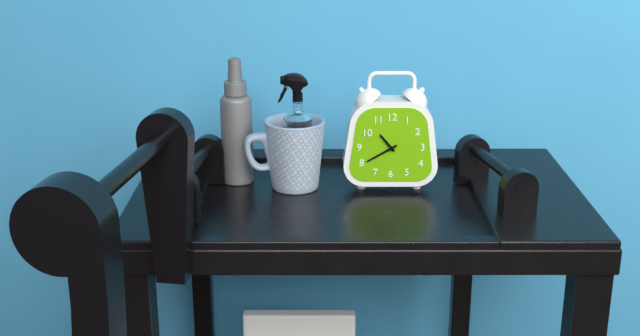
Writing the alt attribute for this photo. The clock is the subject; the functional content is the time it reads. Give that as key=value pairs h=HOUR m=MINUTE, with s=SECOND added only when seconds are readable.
h=10 m=40
